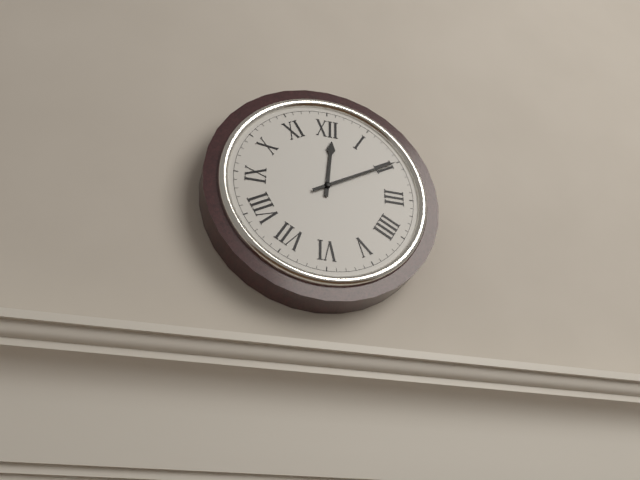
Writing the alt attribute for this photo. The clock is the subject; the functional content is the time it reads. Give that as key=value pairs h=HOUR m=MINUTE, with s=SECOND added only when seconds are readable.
h=12 m=10
